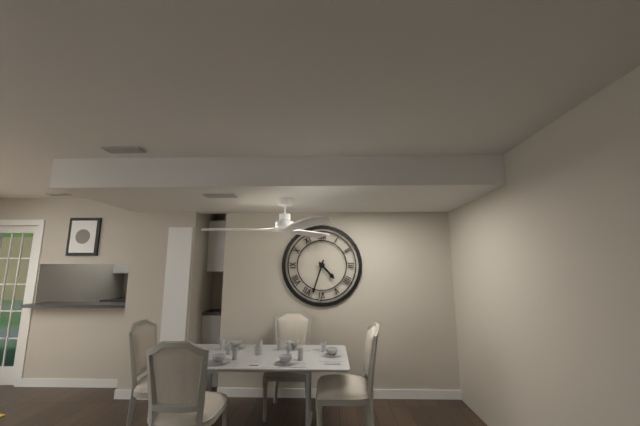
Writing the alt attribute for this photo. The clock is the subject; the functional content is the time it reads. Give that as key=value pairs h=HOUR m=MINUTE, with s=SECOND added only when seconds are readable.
h=4 m=33
